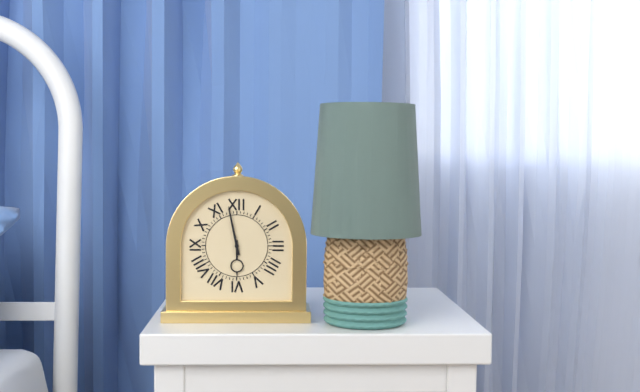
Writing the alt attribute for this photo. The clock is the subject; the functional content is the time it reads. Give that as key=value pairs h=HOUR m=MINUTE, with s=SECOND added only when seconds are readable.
h=5 m=58
